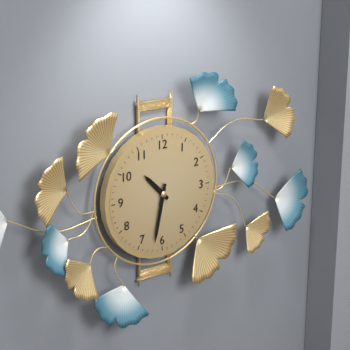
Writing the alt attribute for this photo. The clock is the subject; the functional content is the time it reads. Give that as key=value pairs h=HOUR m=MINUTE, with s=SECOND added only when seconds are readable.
h=10 m=32
